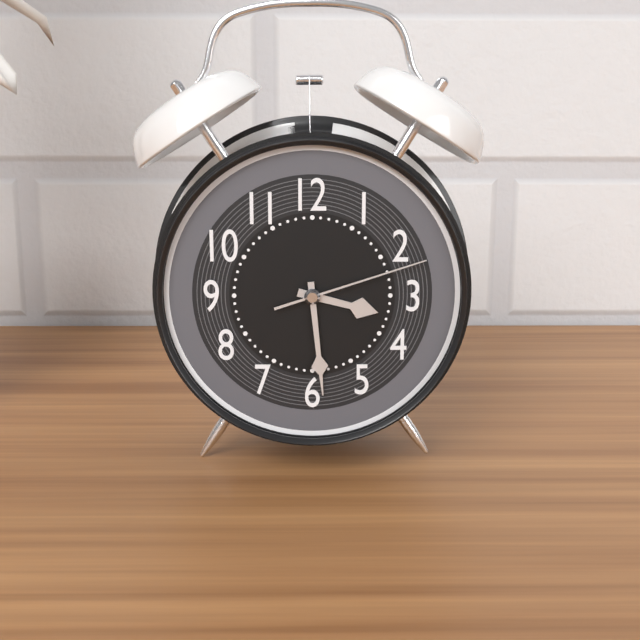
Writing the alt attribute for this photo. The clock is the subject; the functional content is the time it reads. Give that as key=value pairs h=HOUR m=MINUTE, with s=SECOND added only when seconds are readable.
h=3 m=29 s=12
